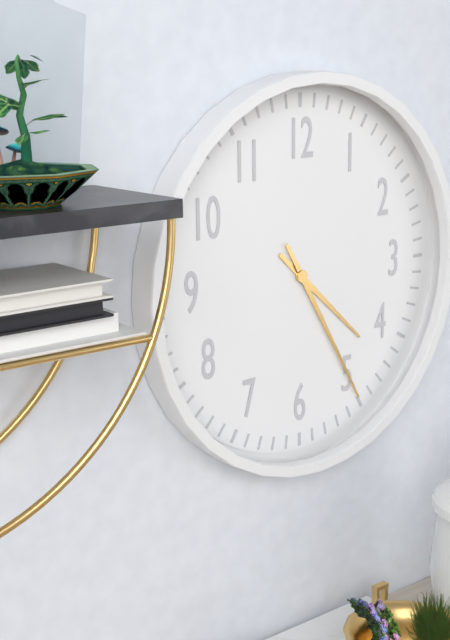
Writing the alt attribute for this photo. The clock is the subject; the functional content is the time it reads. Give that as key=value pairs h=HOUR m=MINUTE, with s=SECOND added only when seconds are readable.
h=4 m=25
